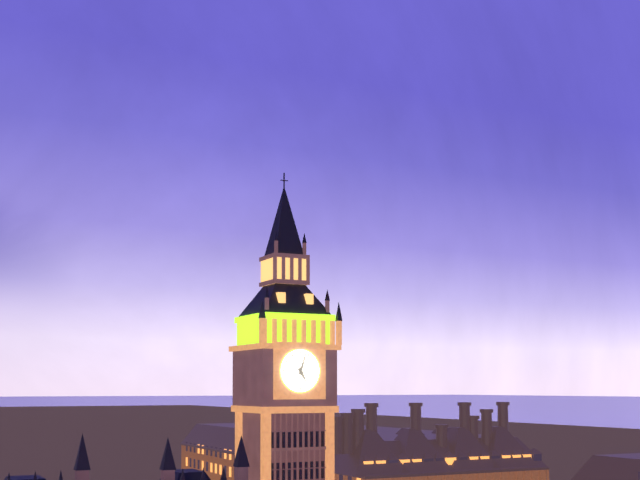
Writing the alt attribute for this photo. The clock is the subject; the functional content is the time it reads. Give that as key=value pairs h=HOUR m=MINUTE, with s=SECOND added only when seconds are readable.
h=5 m=3
